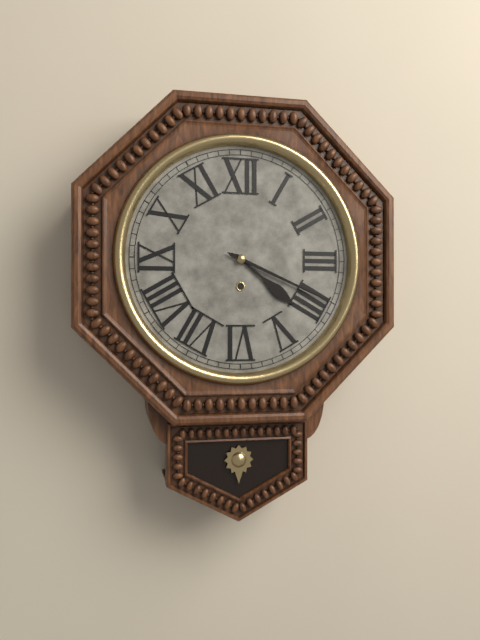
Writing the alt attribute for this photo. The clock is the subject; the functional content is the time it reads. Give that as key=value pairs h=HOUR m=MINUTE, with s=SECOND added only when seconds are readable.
h=4 m=19
